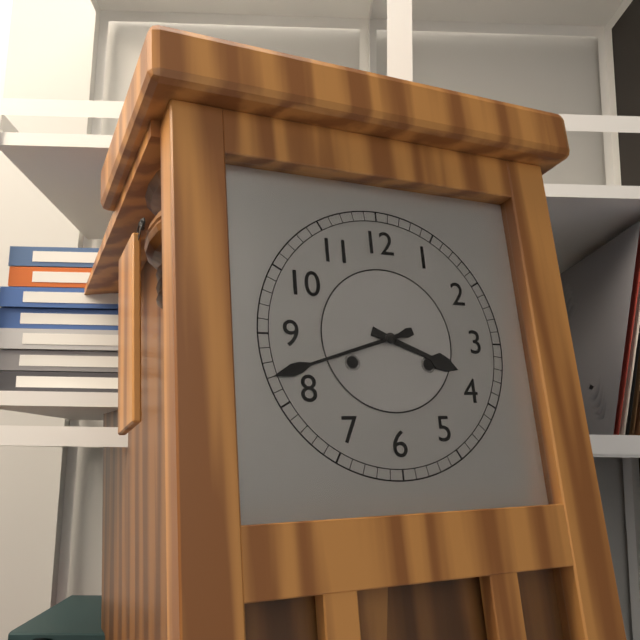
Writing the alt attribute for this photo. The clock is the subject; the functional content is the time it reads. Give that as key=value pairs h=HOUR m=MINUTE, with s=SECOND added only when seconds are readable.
h=3 m=42
